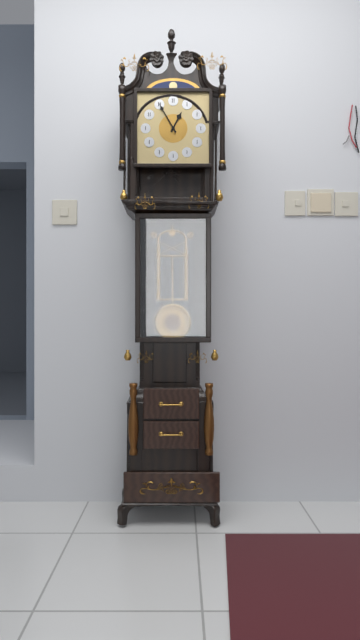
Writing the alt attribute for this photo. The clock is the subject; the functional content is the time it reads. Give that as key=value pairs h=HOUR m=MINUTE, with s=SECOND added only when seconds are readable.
h=12 m=55
